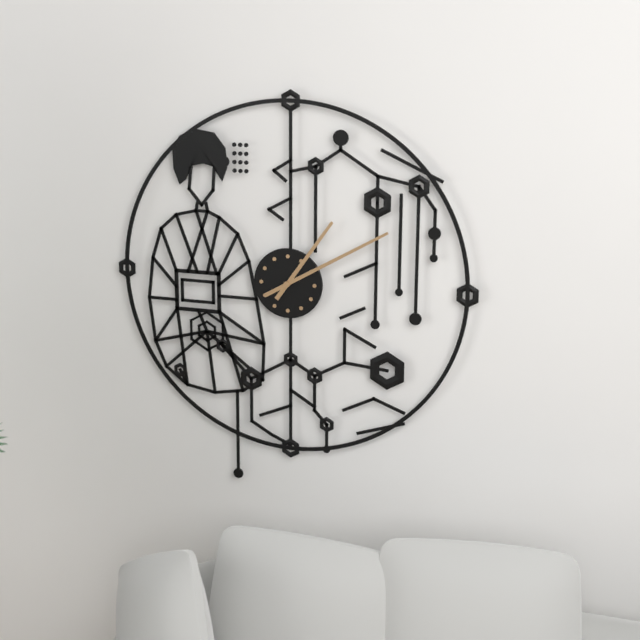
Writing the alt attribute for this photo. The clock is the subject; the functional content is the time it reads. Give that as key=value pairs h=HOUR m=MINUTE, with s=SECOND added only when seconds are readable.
h=1 m=10
